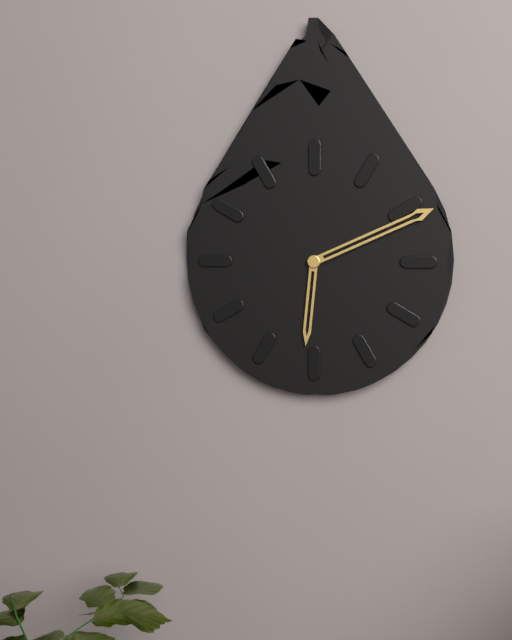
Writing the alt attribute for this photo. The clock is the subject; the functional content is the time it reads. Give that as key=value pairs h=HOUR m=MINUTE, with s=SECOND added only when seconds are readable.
h=6 m=11
